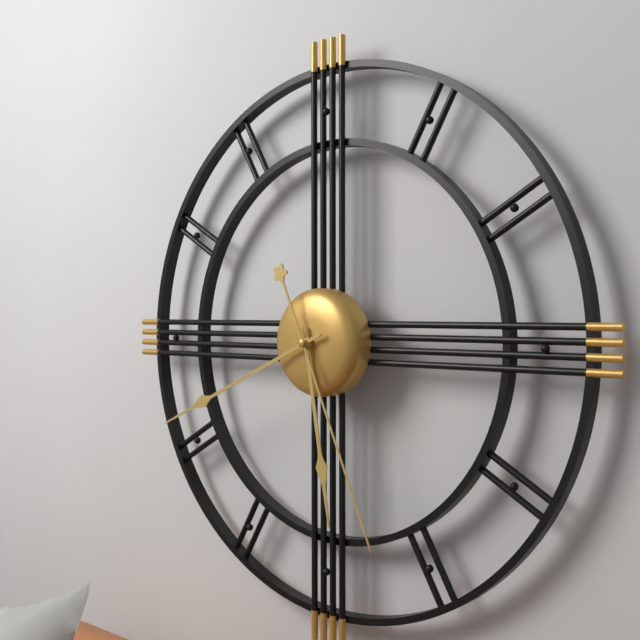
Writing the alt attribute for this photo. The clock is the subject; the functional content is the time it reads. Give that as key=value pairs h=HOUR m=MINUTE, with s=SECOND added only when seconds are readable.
h=5 m=41 s=26
